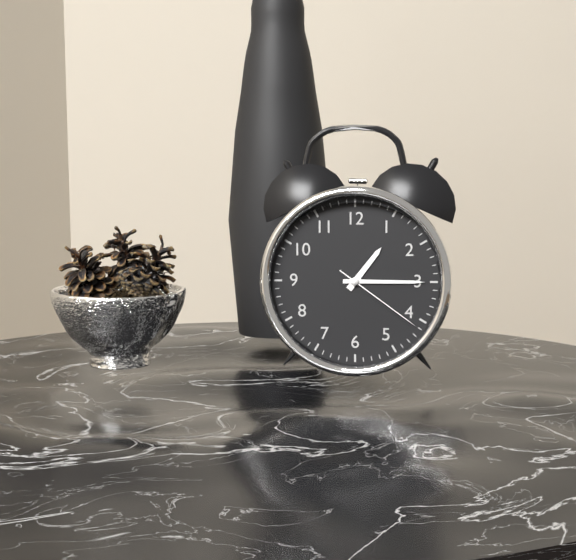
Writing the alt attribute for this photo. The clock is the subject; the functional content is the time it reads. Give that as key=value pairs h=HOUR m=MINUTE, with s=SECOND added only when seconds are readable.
h=1 m=15 s=21
